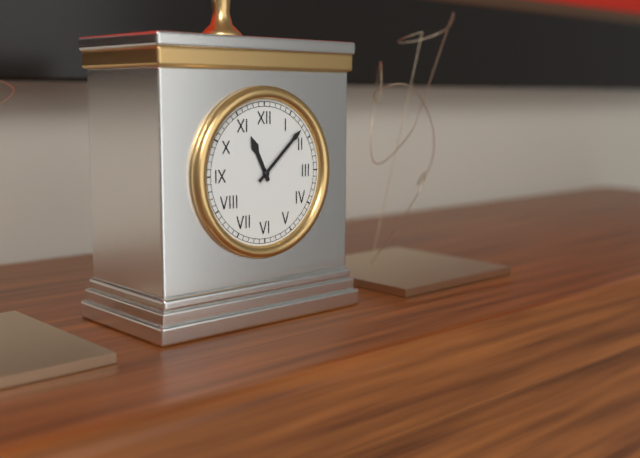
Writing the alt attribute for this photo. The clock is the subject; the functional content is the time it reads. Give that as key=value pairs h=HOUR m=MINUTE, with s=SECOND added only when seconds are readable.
h=11 m=8
